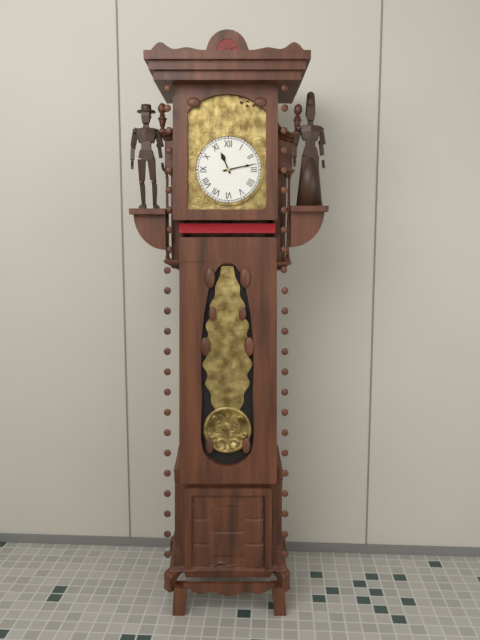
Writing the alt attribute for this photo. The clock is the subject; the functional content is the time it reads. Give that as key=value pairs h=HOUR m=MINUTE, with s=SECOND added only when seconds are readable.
h=11 m=13
